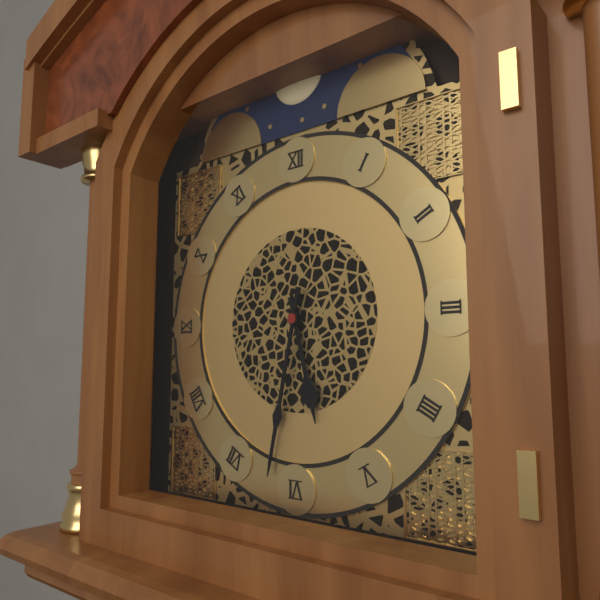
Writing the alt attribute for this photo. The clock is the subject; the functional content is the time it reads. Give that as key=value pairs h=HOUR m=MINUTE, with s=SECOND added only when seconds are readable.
h=5 m=32
